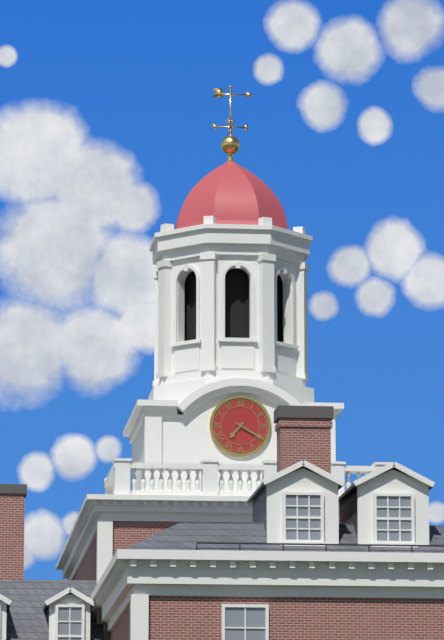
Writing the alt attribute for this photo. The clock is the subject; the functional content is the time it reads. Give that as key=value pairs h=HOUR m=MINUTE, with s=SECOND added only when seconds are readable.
h=7 m=20
